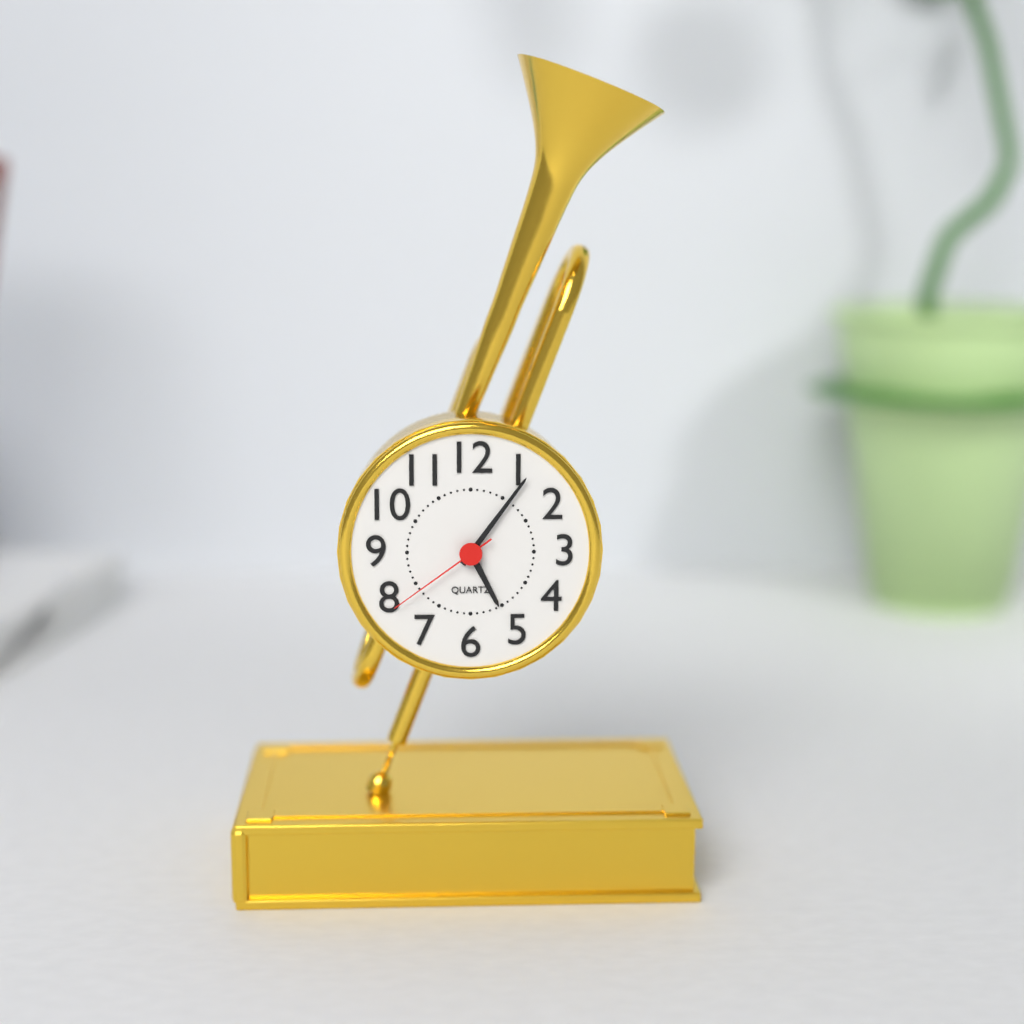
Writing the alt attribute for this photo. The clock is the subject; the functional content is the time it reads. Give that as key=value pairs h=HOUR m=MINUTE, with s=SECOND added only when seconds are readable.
h=5 m=6 s=39
